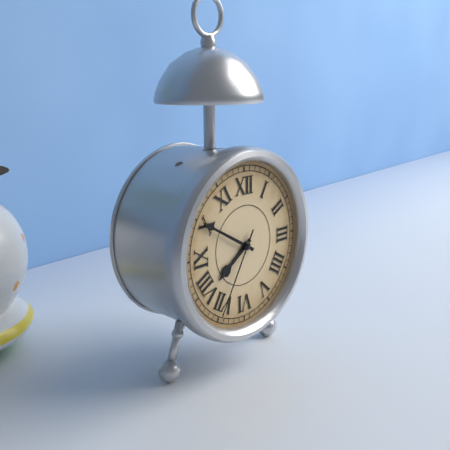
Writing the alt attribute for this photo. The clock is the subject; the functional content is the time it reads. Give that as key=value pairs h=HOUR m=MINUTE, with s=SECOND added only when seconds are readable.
h=7 m=50 s=35
